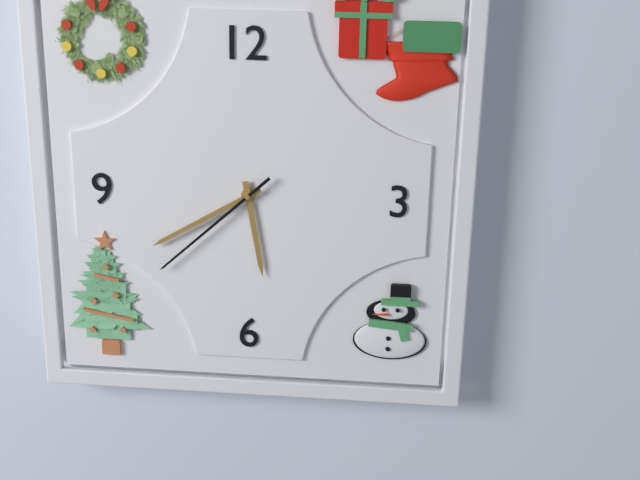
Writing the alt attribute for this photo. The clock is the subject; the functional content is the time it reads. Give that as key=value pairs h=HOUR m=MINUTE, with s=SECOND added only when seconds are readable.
h=5 m=40 s=38
